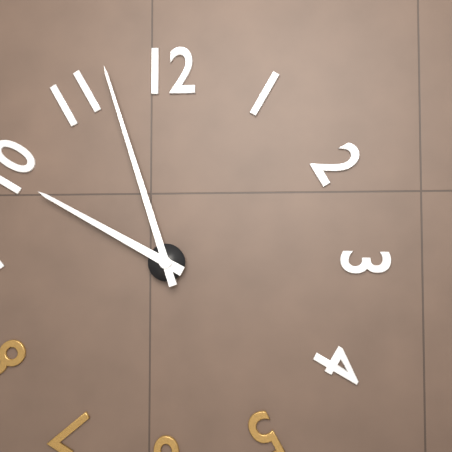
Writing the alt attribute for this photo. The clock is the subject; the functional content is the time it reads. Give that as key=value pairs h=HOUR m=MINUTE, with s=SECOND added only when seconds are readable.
h=9 m=57
